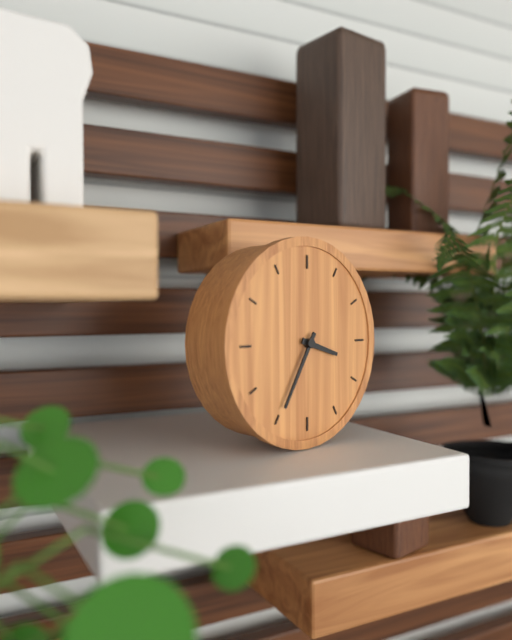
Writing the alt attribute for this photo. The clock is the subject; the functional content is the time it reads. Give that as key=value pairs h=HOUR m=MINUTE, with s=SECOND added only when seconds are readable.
h=3 m=35
